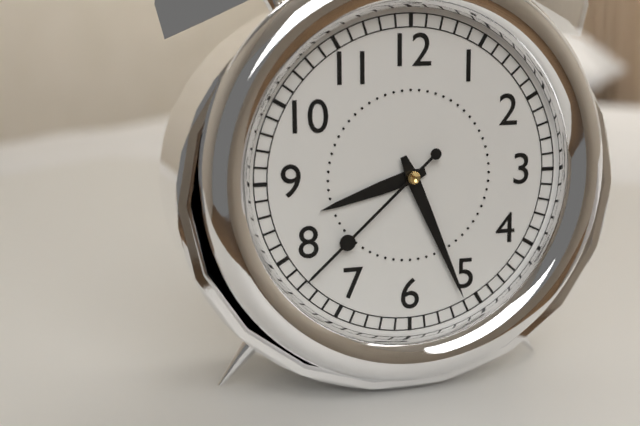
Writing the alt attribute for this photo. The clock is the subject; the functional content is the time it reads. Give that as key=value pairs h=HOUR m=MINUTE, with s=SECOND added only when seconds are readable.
h=8 m=26 s=38
